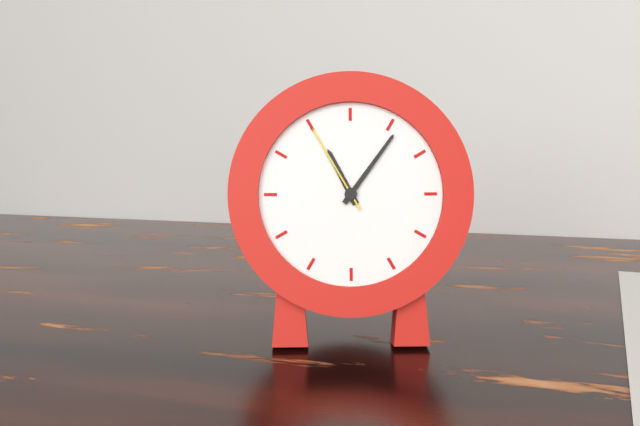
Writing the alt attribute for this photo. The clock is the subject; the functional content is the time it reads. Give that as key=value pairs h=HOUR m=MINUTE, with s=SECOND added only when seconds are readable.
h=11 m=6 s=55
